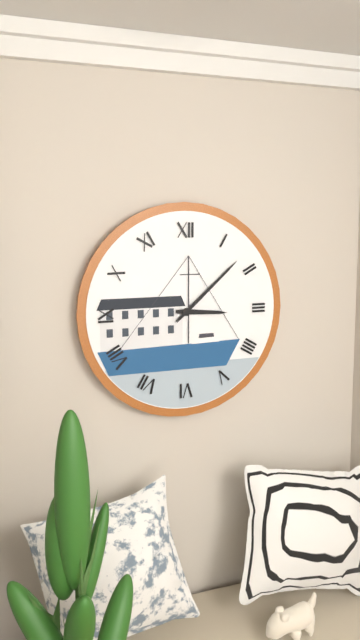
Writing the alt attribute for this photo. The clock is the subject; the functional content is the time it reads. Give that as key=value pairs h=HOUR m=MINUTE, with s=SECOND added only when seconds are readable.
h=3 m=8
